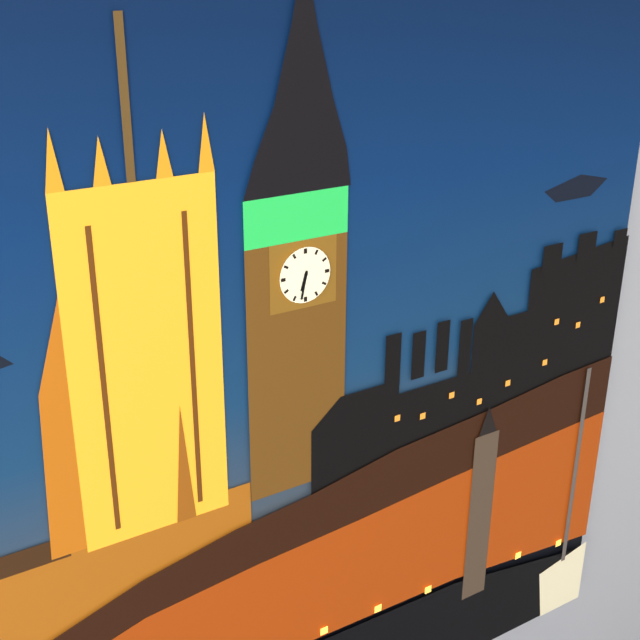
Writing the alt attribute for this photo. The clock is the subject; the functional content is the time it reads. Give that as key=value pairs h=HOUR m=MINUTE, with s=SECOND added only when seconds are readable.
h=6 m=32
